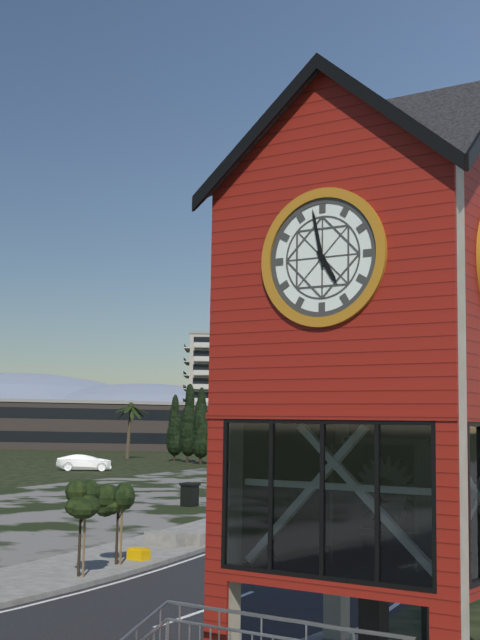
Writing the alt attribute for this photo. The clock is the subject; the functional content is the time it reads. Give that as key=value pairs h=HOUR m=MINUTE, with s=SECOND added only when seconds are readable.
h=4 m=58
